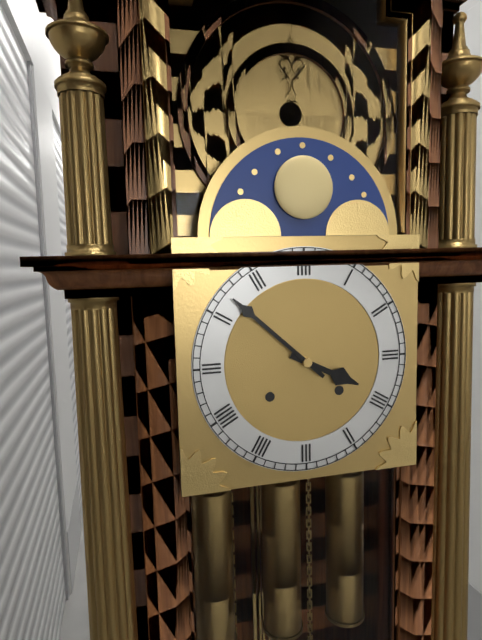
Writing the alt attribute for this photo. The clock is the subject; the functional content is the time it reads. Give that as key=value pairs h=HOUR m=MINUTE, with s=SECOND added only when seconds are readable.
h=3 m=52
